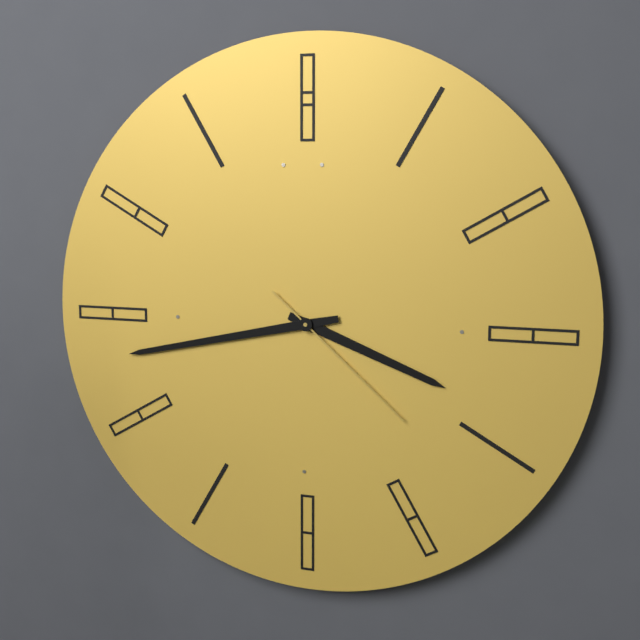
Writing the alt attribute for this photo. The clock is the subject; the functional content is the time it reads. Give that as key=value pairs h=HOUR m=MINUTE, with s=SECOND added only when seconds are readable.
h=3 m=43 s=22
